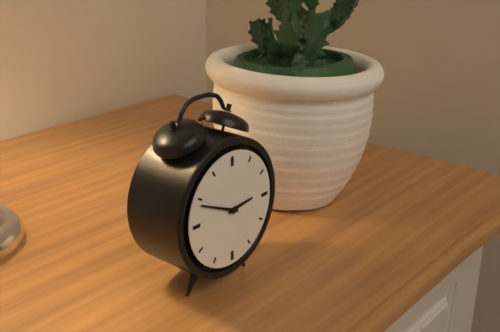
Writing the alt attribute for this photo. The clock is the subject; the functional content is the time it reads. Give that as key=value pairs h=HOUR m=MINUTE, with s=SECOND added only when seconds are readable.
h=2 m=49
